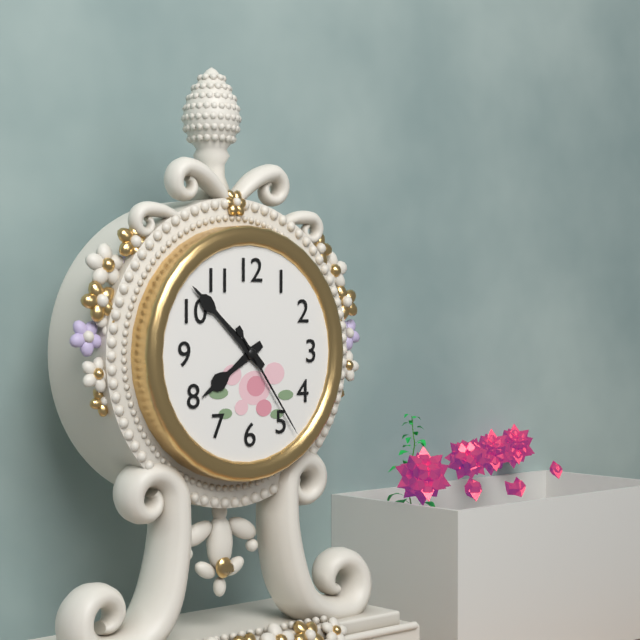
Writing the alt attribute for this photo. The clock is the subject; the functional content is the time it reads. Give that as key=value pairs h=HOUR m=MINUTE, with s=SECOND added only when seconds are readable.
h=7 m=52 s=24
